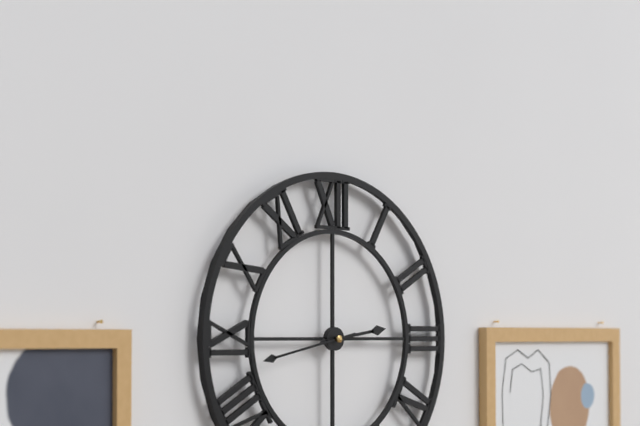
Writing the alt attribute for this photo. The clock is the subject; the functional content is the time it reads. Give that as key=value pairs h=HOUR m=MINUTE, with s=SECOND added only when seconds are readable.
h=2 m=43
